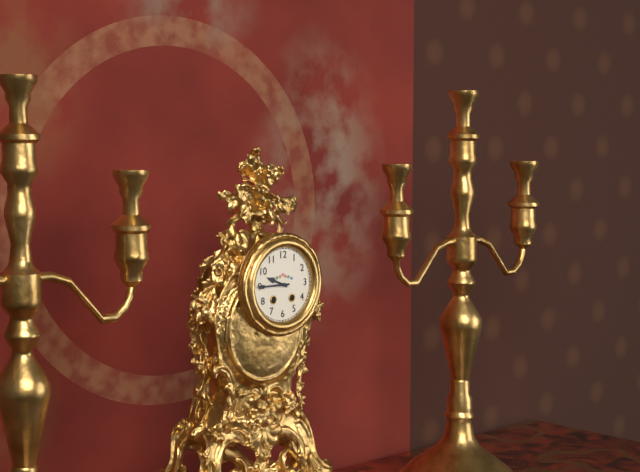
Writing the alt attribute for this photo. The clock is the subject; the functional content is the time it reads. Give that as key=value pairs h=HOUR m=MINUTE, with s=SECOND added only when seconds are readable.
h=9 m=45
